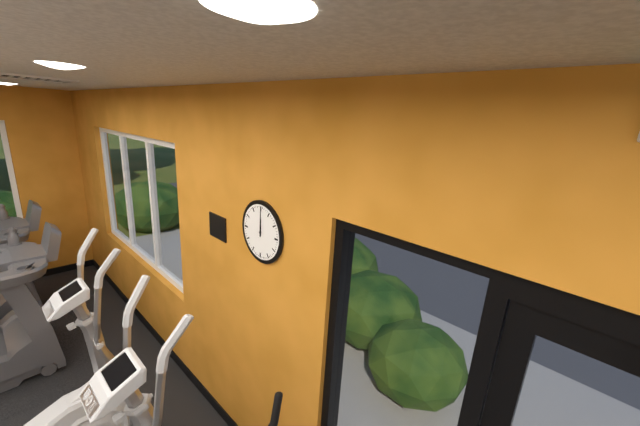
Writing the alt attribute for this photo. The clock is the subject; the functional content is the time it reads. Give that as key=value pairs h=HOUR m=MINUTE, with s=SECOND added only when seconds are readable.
h=12 m=0
